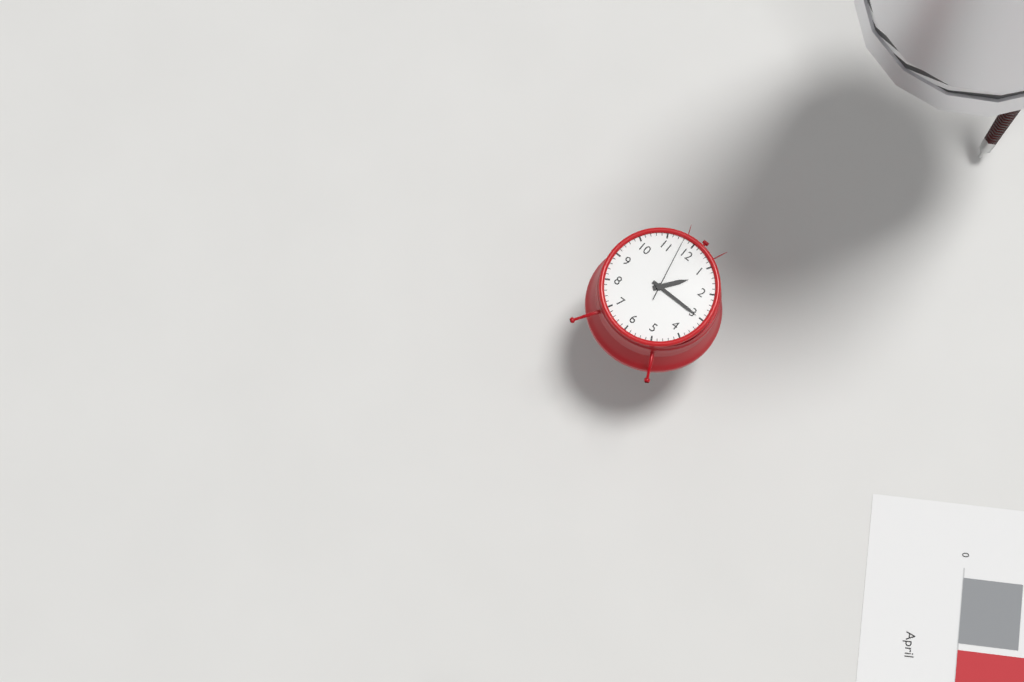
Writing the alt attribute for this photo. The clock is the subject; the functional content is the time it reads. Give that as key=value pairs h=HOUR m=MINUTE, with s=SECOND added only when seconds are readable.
h=1 m=15 s=58
